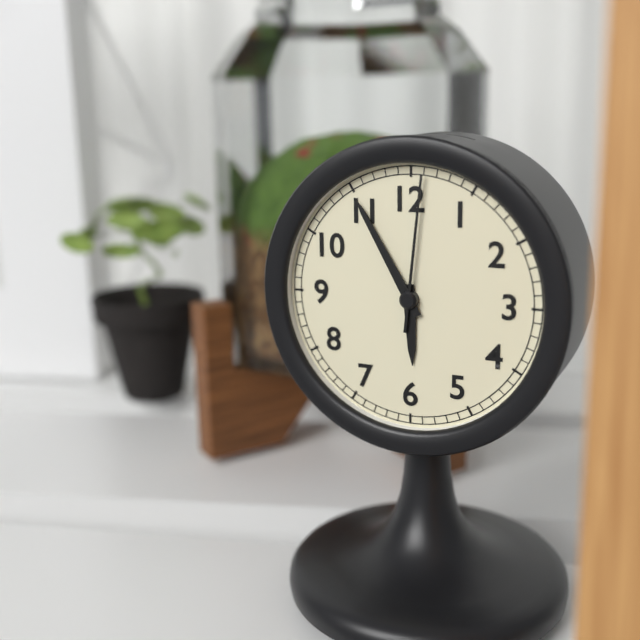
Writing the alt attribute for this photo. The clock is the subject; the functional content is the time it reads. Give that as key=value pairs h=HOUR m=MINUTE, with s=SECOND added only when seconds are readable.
h=5 m=55 s=1
